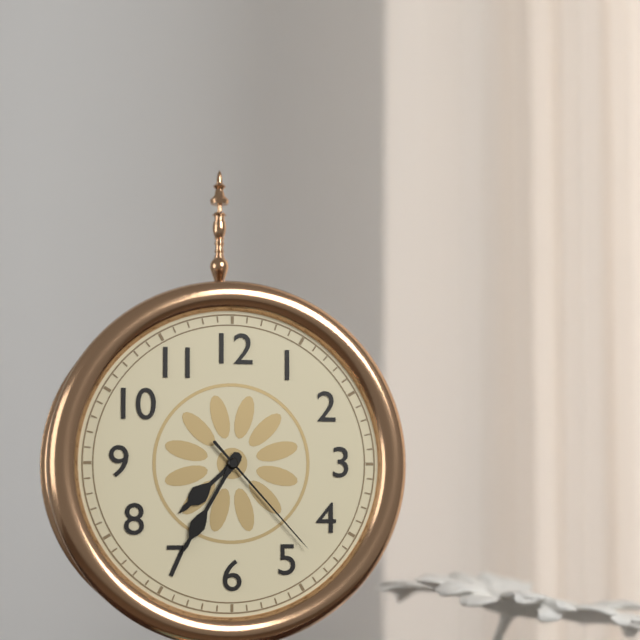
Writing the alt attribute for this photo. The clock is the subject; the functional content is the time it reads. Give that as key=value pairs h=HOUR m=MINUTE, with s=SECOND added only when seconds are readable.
h=7 m=35 s=23
